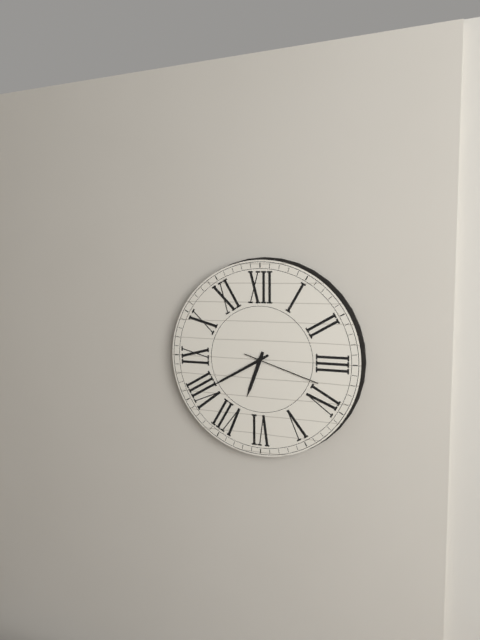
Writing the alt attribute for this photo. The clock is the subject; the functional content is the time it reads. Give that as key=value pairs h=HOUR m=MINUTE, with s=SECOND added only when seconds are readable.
h=6 m=40 s=18
